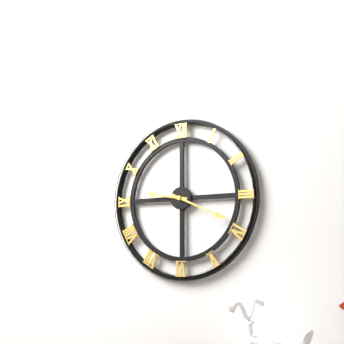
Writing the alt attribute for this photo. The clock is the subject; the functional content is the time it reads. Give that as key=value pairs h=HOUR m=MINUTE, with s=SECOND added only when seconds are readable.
h=9 m=19
